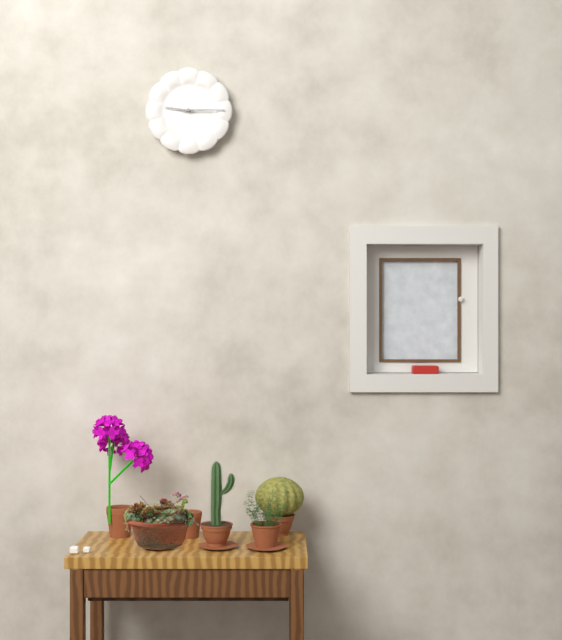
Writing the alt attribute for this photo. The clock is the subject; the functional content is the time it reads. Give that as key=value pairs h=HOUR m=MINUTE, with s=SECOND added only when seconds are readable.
h=9 m=15
